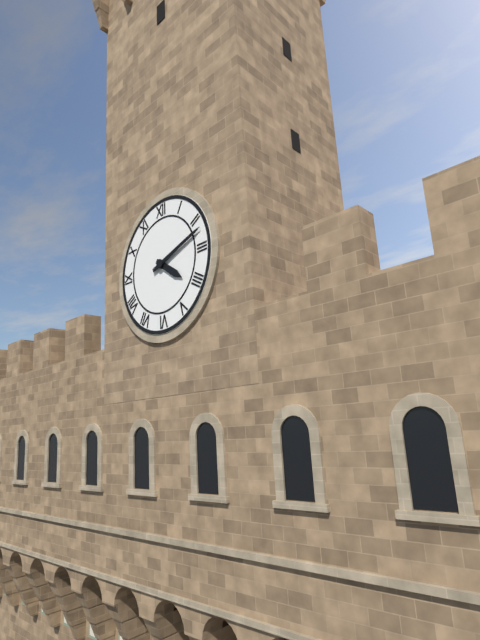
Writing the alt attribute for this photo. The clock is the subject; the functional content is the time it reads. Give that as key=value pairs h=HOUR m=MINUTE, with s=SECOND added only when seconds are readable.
h=4 m=12
